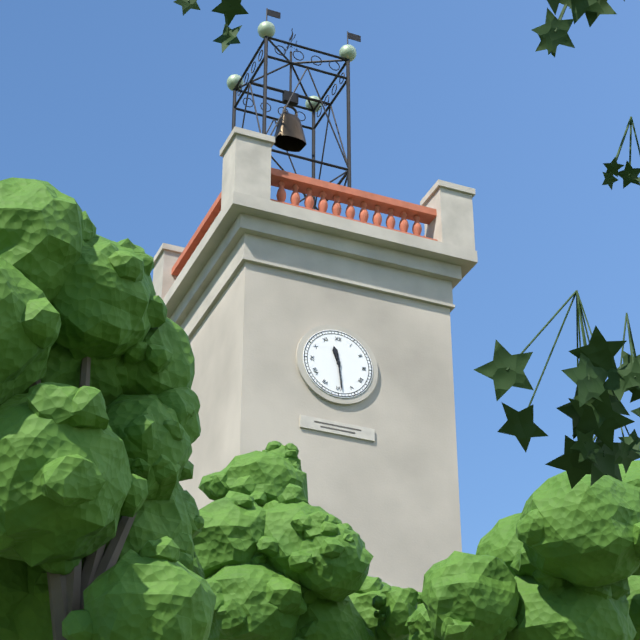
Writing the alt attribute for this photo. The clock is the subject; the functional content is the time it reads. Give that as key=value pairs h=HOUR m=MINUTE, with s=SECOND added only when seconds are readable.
h=11 m=29
